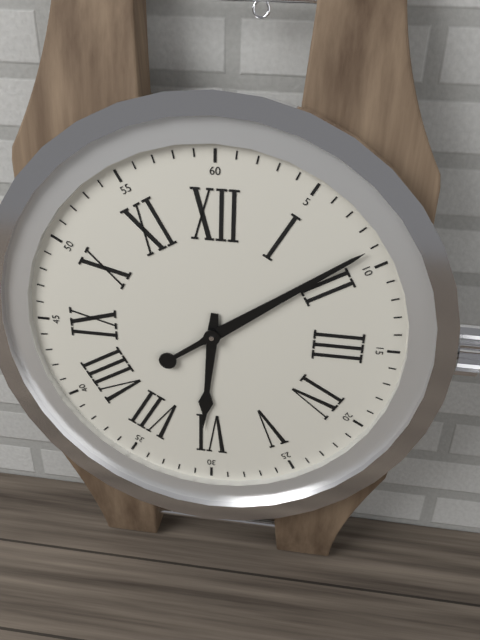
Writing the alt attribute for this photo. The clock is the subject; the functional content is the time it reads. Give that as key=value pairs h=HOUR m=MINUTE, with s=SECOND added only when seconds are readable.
h=6 m=9
